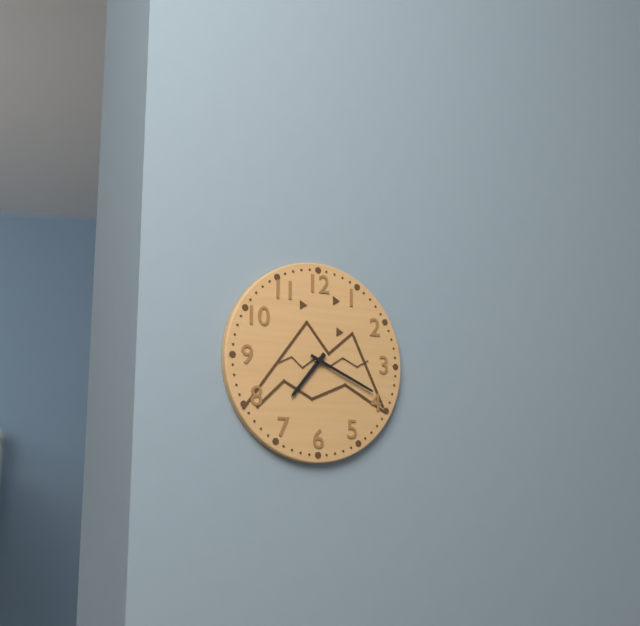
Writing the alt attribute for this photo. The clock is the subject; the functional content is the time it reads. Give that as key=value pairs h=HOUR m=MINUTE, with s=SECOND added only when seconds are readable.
h=7 m=19
